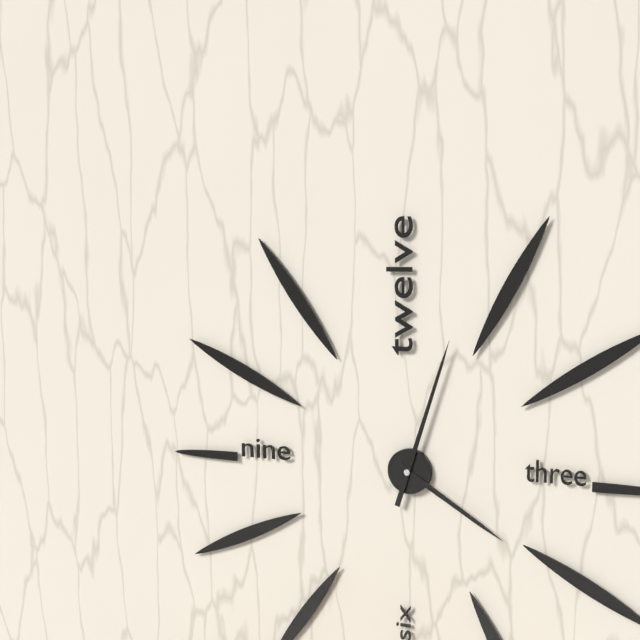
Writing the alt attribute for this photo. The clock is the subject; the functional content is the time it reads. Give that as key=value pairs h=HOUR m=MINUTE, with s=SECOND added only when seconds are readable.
h=4 m=3
